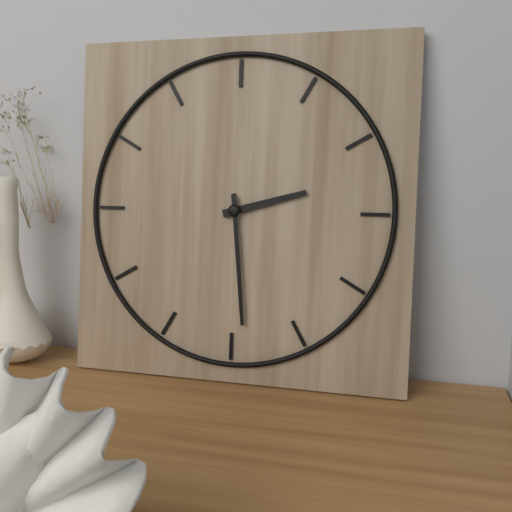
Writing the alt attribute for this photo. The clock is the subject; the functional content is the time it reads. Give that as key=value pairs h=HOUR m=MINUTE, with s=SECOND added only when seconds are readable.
h=2 m=29
